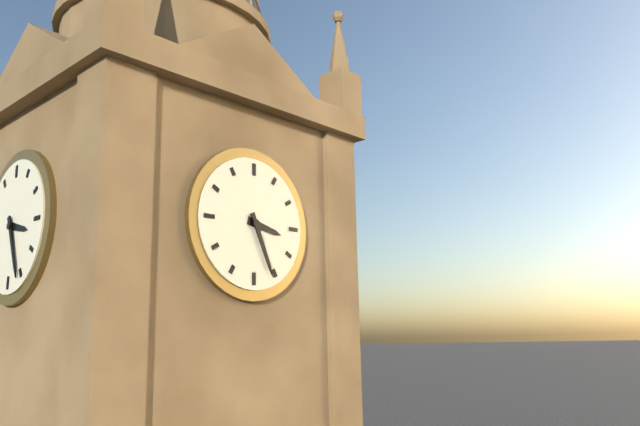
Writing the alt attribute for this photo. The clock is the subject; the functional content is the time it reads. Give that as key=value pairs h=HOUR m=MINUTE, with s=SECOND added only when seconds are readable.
h=3 m=26
